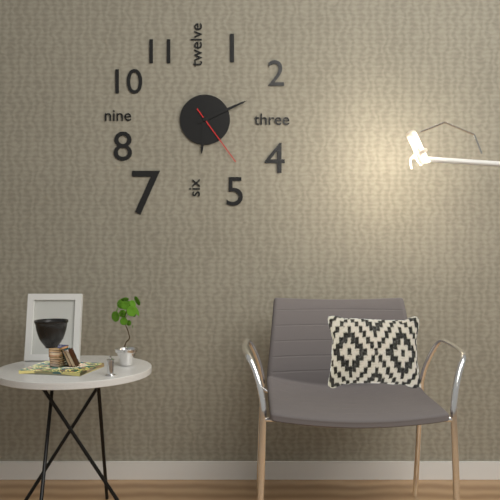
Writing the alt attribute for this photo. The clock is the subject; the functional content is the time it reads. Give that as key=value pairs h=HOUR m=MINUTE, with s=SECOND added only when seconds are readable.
h=6 m=11 s=24
